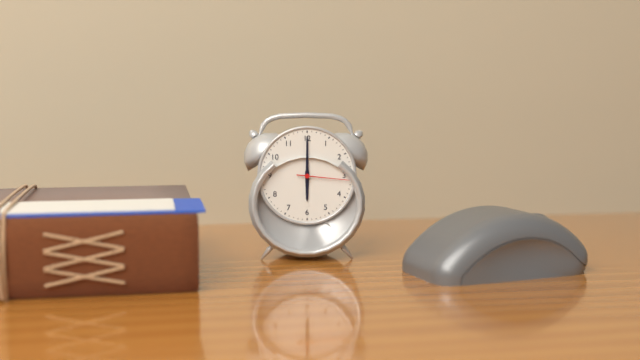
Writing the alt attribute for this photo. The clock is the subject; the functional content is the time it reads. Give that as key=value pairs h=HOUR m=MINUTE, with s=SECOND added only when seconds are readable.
h=6 m=0 s=16
